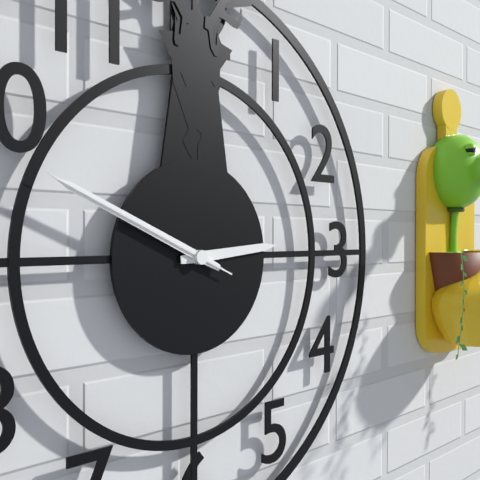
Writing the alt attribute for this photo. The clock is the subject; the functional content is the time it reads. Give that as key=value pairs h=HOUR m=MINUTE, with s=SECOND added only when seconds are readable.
h=2 m=49 s=49
